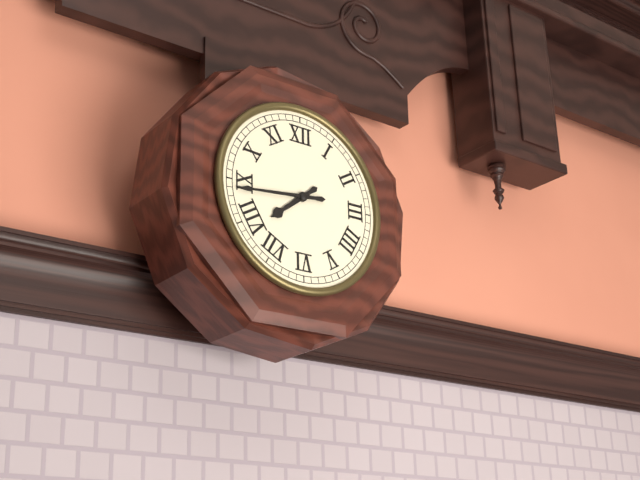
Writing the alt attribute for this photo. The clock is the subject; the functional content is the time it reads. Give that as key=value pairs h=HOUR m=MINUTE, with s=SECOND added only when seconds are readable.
h=7 m=44
